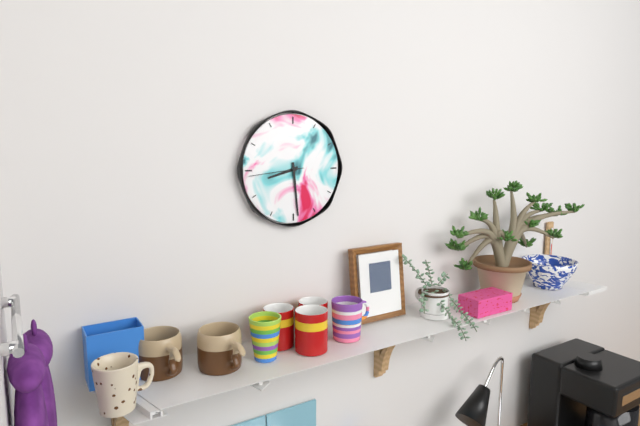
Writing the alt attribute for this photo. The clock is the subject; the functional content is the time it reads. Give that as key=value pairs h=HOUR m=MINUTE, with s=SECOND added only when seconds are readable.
h=8 m=29 s=44
